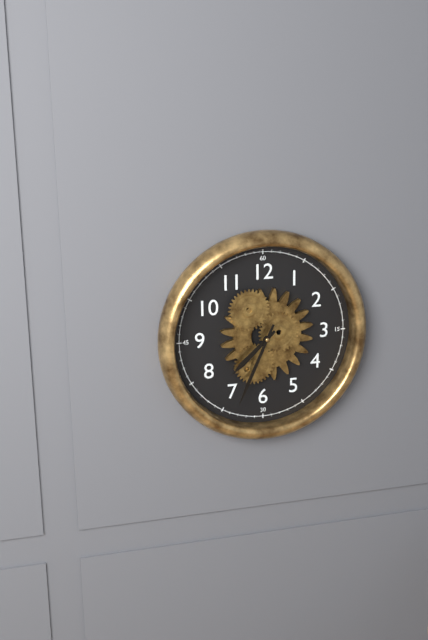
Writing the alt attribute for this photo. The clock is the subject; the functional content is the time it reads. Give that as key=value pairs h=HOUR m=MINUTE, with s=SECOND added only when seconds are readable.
h=7 m=34
